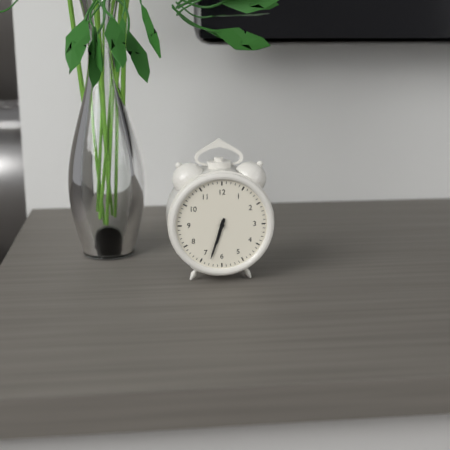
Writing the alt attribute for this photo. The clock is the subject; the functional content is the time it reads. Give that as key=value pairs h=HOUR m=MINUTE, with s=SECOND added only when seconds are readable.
h=6 m=33
